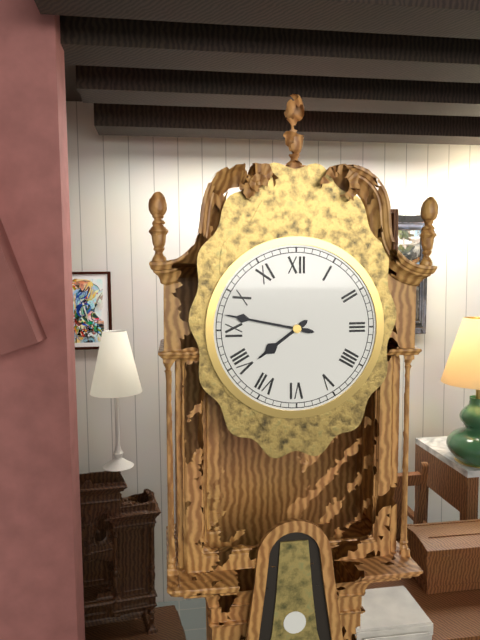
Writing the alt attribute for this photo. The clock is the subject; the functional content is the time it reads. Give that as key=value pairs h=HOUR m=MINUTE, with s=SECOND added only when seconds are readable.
h=7 m=47
